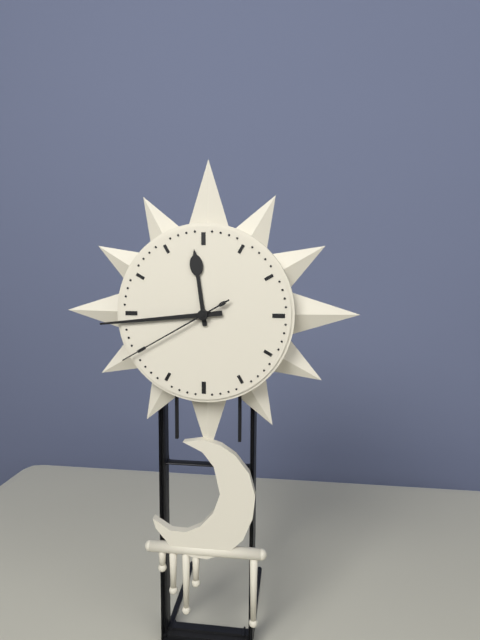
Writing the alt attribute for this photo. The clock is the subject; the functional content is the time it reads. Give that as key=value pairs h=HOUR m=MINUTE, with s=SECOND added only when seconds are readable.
h=11 m=44 s=40
